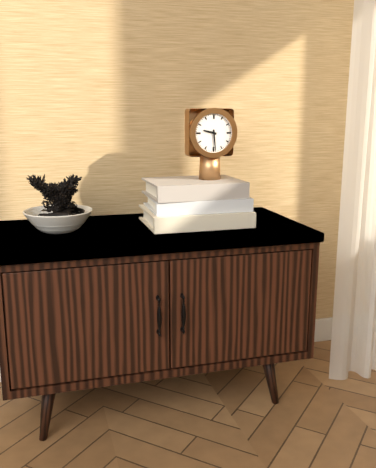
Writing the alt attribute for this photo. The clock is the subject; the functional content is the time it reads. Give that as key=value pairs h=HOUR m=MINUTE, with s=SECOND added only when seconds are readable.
h=9 m=29
